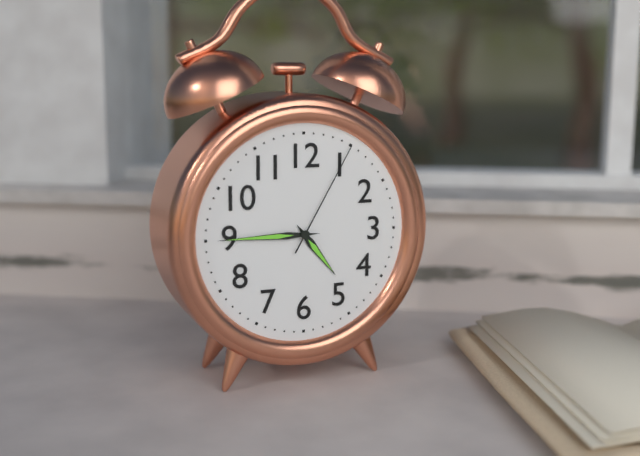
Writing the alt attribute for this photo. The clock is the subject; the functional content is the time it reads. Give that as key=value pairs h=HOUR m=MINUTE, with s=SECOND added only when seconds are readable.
h=4 m=45 s=5
